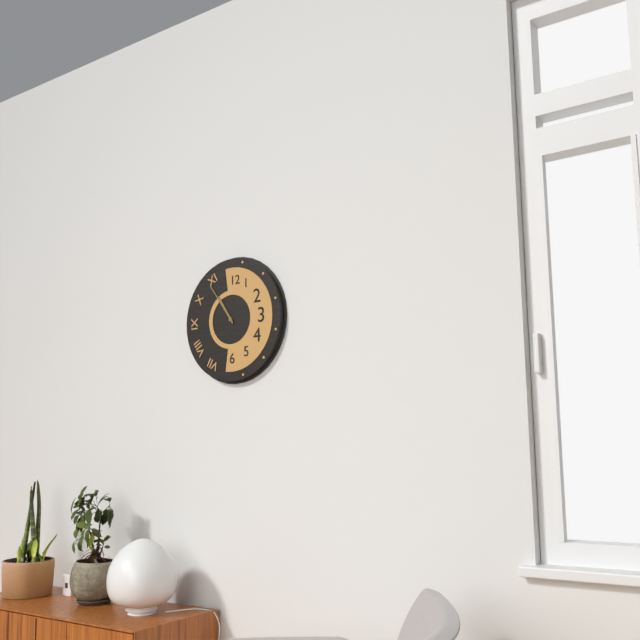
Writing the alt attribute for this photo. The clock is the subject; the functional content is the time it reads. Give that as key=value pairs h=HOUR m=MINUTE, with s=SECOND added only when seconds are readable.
h=10 m=54
